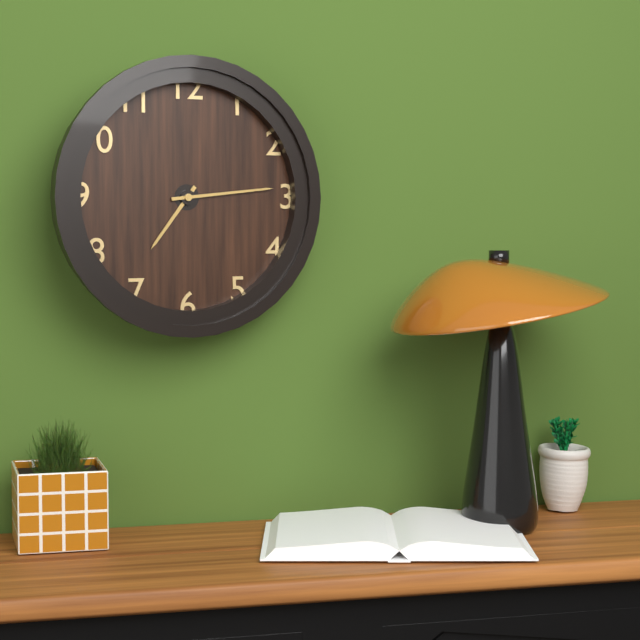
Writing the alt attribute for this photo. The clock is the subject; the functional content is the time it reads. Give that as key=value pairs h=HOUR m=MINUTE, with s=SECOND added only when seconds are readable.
h=7 m=14
